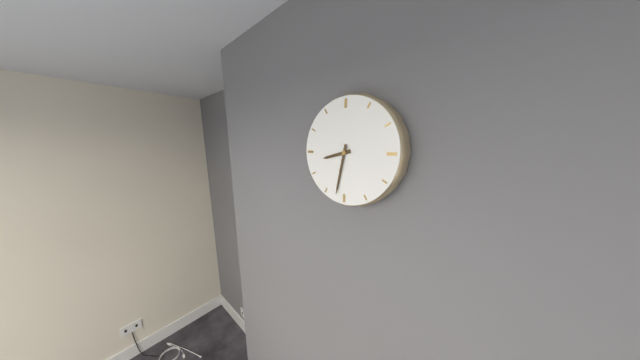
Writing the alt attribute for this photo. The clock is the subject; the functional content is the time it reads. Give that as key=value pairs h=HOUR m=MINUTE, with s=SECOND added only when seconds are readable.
h=8 m=32
